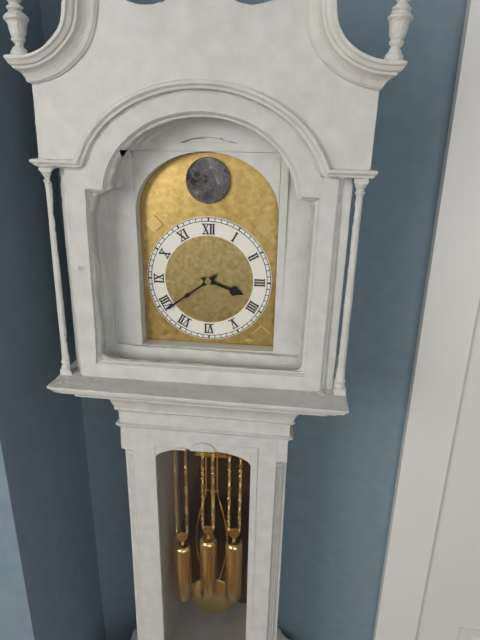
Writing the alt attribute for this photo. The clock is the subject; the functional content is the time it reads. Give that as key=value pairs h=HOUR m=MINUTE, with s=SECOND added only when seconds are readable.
h=3 m=39
